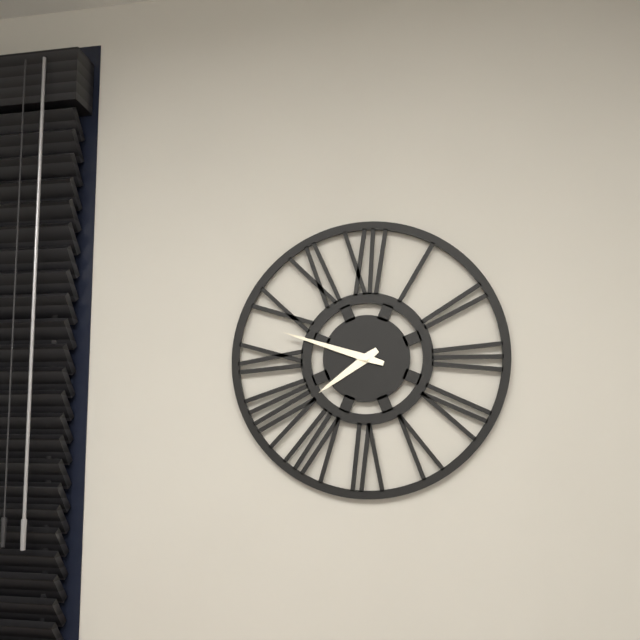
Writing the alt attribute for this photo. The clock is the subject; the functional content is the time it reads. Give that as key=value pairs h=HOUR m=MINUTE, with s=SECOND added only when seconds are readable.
h=7 m=48
